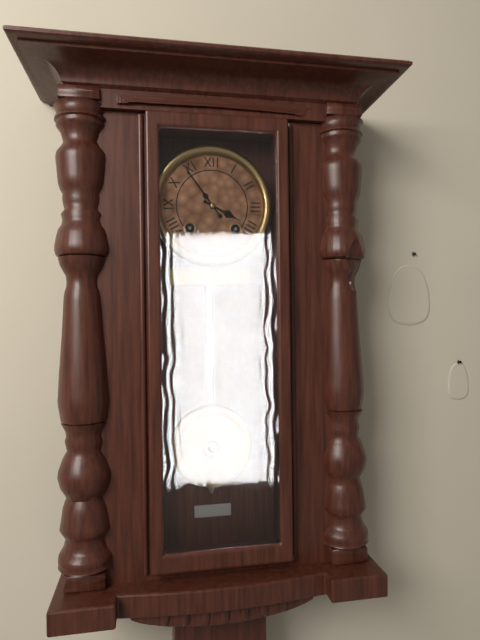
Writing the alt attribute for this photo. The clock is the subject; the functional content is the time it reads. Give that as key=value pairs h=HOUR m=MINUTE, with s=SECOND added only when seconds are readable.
h=3 m=54
